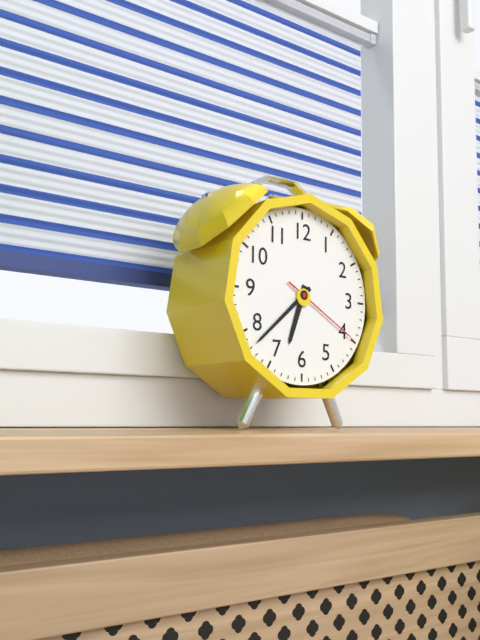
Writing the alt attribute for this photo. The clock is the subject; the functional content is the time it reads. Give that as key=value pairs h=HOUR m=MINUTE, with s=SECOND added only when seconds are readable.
h=6 m=38 s=20
